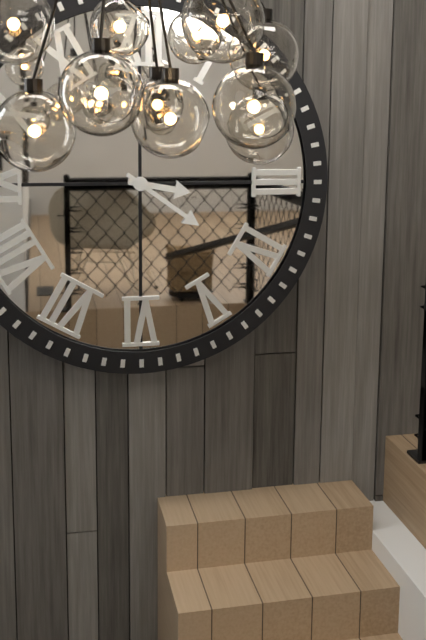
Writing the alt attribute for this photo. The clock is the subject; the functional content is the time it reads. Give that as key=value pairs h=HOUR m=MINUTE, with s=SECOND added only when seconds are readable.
h=3 m=21
